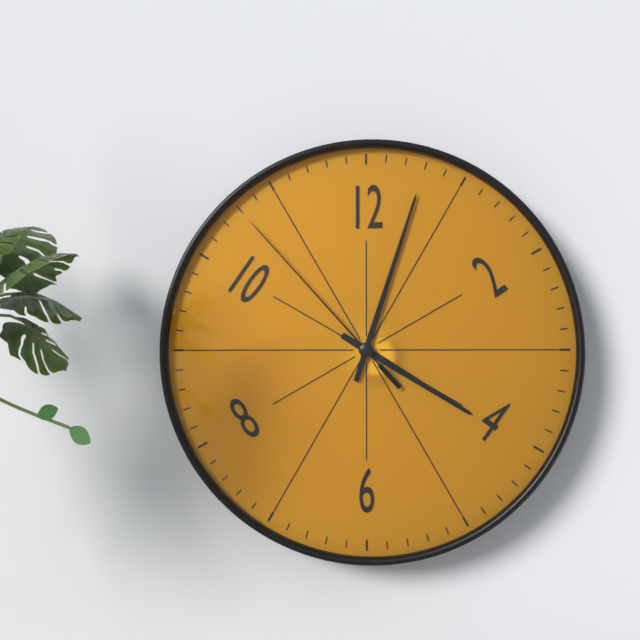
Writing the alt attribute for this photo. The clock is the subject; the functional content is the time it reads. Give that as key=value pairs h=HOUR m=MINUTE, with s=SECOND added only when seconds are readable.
h=4 m=3 s=53
